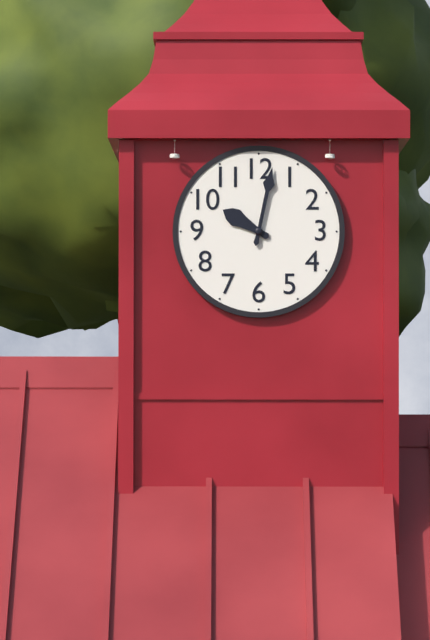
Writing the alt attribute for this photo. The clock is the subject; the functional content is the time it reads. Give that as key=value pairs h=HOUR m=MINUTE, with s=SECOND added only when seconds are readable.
h=10 m=2
